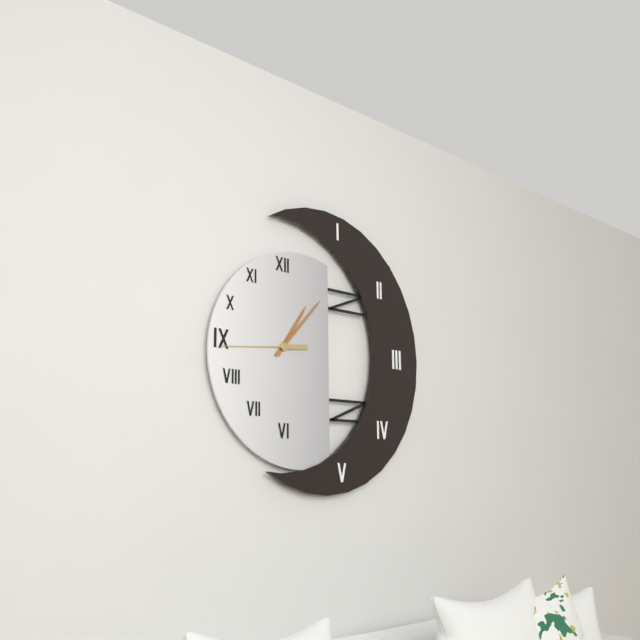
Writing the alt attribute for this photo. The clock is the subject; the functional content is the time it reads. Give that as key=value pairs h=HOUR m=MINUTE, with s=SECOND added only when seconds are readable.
h=1 m=7 s=44
